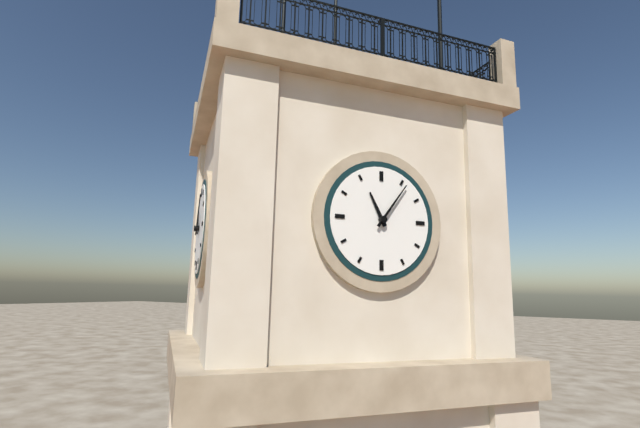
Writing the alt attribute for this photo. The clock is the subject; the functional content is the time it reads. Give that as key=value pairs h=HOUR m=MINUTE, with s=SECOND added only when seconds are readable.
h=11 m=6
